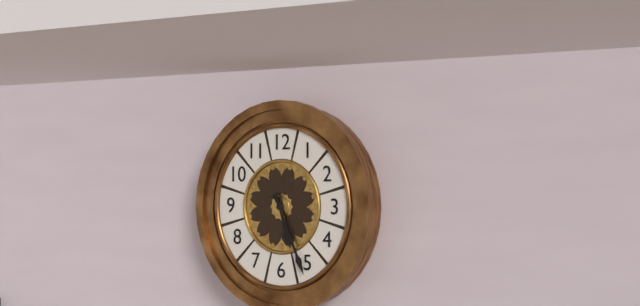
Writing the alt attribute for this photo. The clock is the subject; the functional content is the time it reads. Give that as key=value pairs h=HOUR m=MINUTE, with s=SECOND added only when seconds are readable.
h=5 m=26
